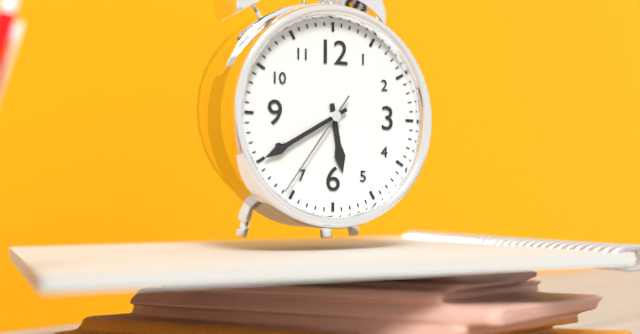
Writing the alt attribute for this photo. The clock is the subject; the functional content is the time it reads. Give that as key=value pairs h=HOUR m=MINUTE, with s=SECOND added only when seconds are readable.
h=5 m=40 s=36
